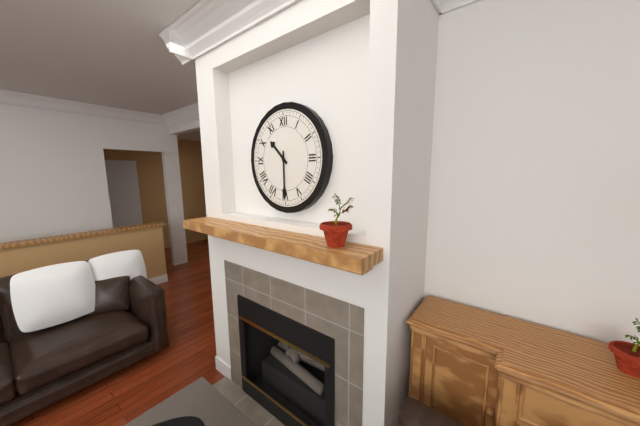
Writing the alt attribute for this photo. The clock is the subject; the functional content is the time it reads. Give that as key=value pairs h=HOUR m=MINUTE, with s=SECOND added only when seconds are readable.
h=10 m=30
